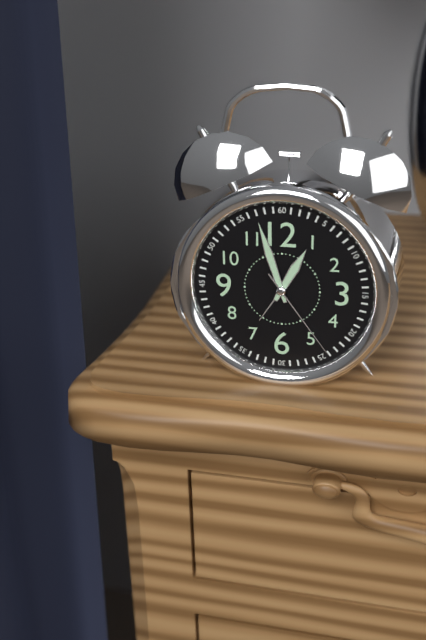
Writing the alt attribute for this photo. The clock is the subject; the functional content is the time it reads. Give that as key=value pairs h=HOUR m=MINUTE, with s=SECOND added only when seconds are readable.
h=12 m=57 s=24
